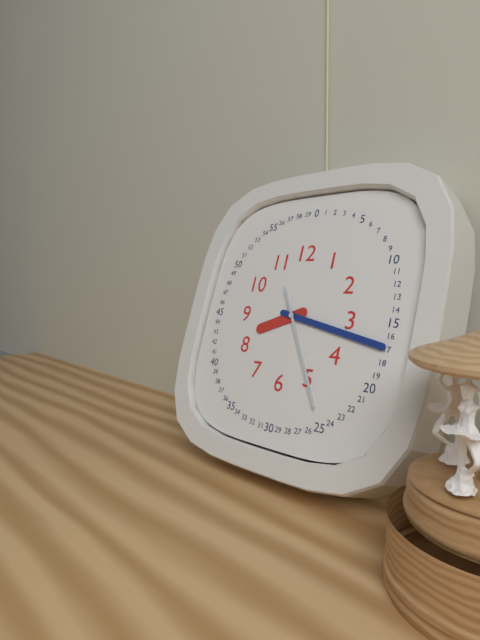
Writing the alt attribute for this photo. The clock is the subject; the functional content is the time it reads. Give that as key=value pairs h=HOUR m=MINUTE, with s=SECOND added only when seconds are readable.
h=8 m=17 s=25
